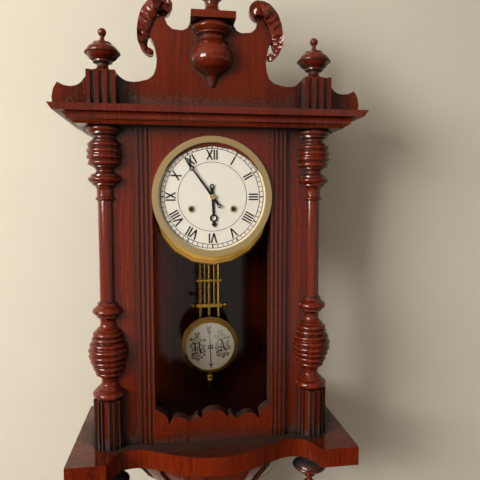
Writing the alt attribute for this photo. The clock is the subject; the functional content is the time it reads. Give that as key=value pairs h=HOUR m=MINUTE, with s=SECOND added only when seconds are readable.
h=5 m=54
